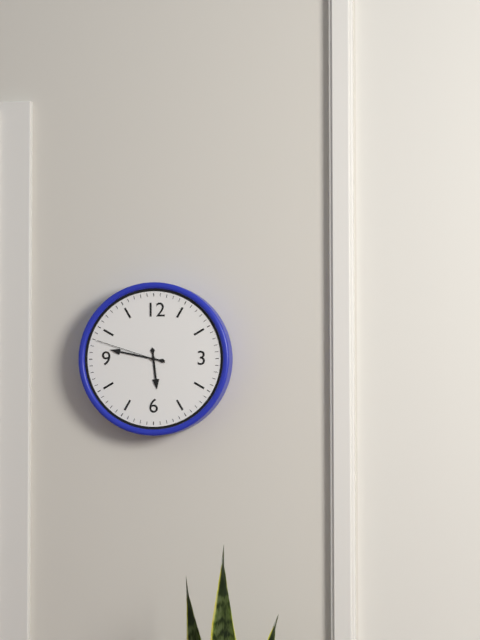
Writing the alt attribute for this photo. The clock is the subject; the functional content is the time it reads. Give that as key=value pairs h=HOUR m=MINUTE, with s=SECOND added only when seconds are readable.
h=5 m=47 s=48
